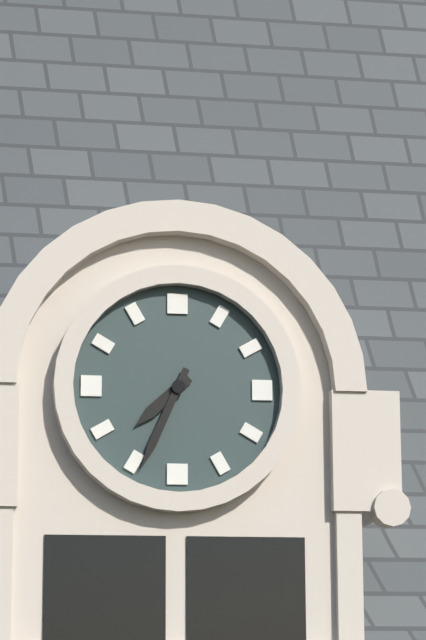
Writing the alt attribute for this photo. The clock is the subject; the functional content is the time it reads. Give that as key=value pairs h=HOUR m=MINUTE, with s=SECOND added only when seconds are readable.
h=7 m=34
